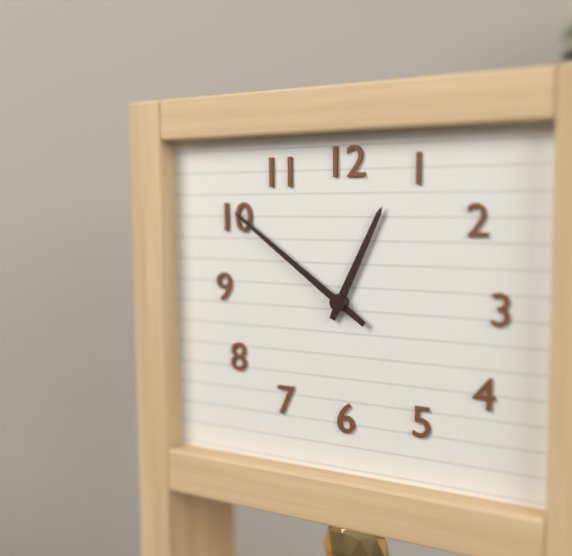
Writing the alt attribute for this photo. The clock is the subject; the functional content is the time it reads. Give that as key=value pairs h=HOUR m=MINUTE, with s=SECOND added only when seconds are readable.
h=12 m=51
